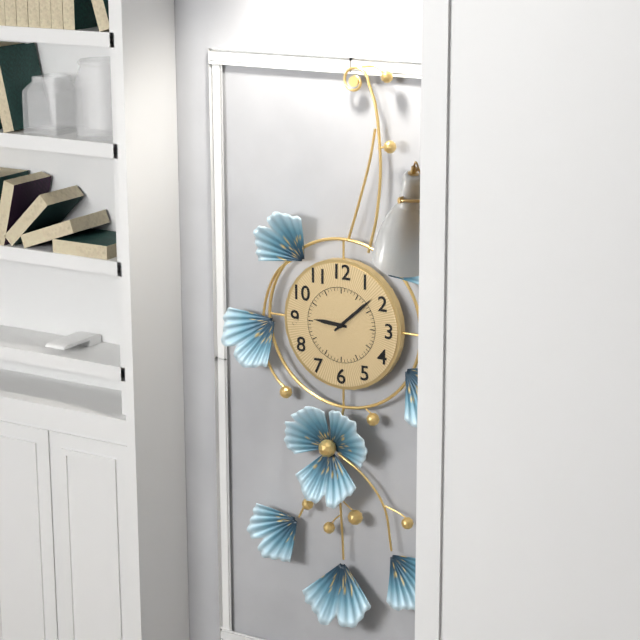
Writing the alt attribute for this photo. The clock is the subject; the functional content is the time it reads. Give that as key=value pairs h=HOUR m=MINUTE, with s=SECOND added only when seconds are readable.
h=9 m=8
